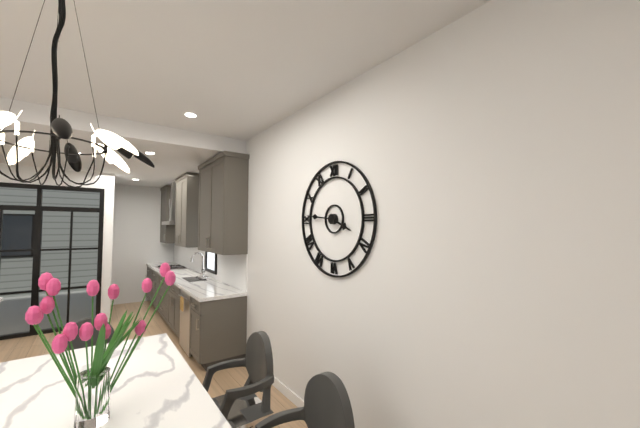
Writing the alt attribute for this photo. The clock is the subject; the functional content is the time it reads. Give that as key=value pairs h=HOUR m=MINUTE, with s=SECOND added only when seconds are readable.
h=3 m=46
